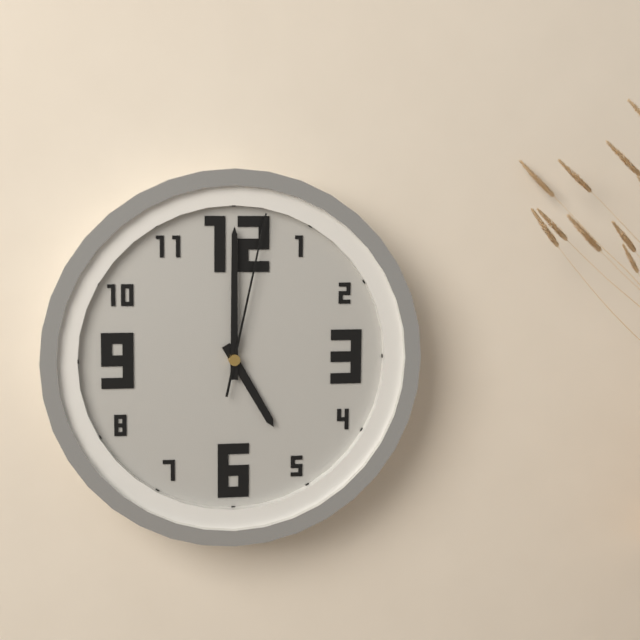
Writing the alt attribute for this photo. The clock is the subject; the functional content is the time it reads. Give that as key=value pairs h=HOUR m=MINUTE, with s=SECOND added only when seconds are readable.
h=5 m=0 s=2
